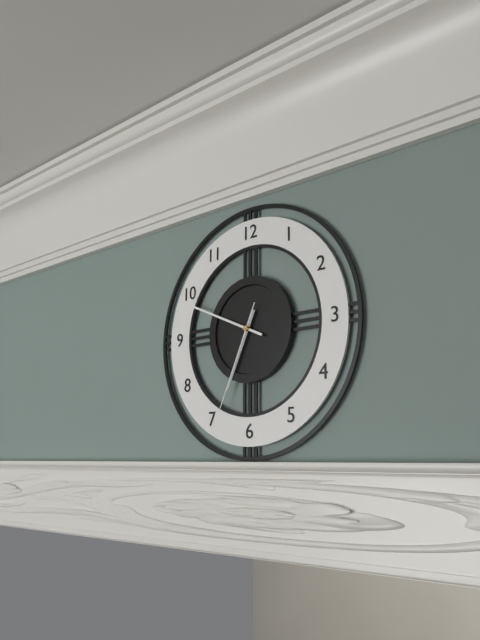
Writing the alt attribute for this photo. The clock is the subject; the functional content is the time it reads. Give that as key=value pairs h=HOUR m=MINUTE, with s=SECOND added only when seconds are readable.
h=6 m=49 s=34
